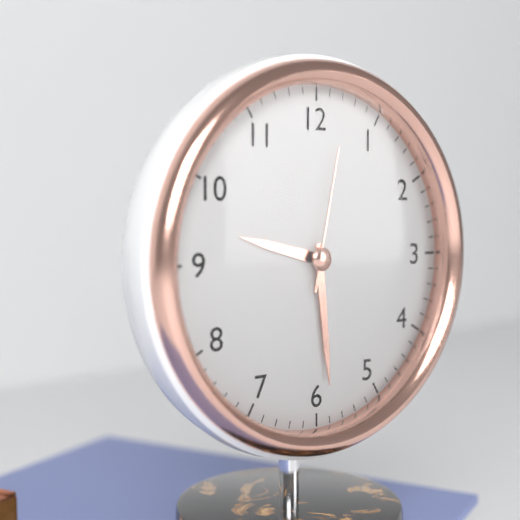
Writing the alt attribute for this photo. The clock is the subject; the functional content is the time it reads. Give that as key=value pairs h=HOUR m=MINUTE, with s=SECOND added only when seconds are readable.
h=9 m=29 s=2
